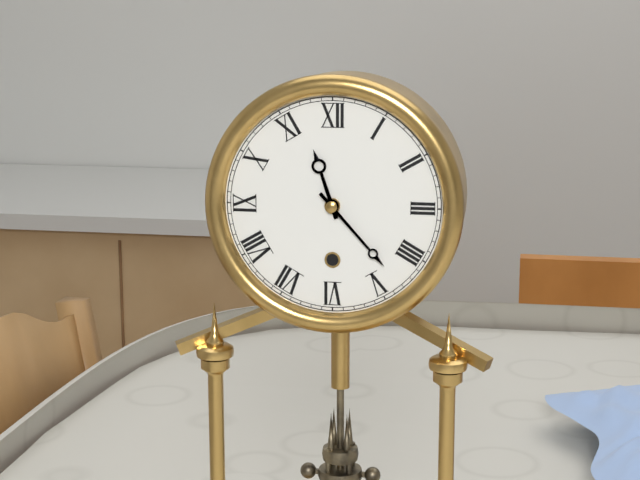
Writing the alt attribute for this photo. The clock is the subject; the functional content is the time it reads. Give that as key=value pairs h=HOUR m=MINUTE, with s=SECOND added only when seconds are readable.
h=11 m=23
